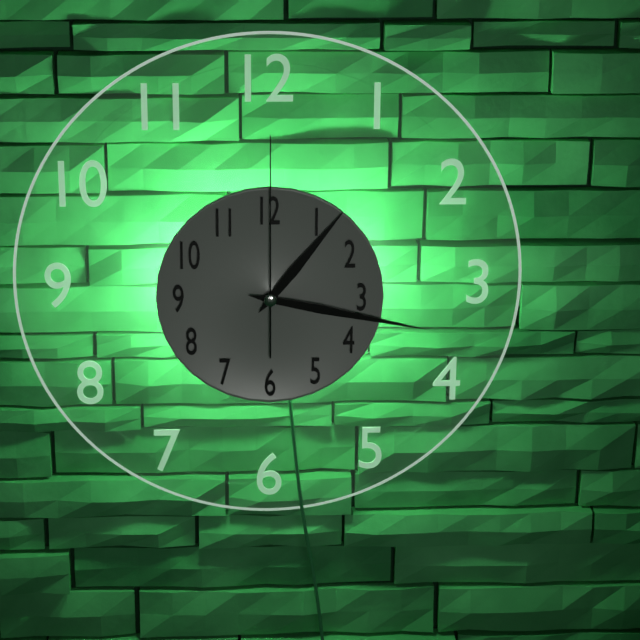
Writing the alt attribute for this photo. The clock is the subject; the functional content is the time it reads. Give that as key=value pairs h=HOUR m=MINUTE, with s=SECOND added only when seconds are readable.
h=1 m=17 s=0
